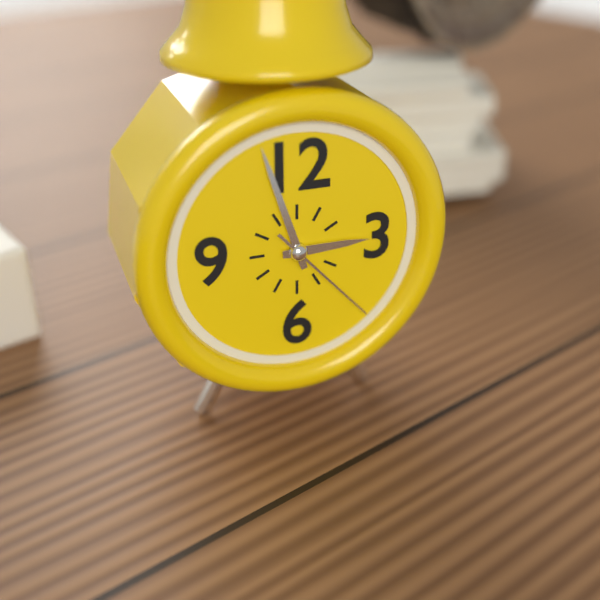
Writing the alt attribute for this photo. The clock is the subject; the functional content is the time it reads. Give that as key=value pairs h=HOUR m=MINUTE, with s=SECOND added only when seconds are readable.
h=2 m=57 s=23
